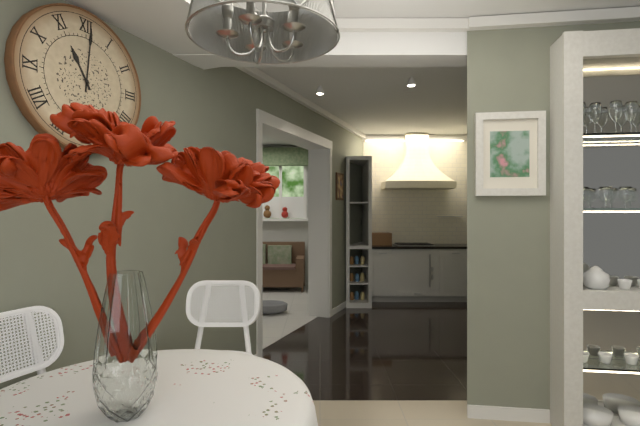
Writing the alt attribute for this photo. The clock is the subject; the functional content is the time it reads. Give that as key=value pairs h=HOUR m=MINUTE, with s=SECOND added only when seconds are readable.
h=11 m=1
